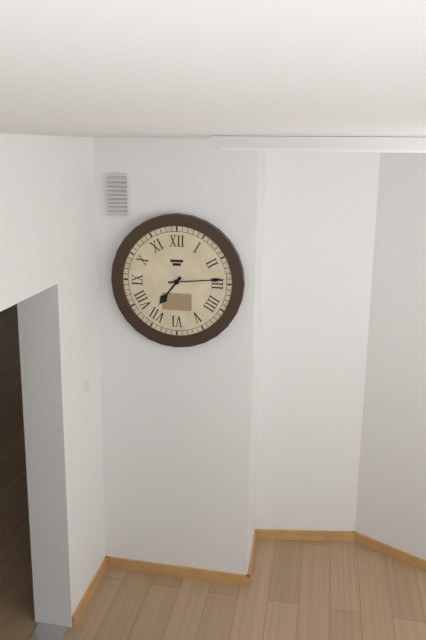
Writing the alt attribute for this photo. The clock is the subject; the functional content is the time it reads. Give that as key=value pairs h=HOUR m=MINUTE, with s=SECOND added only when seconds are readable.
h=7 m=14
